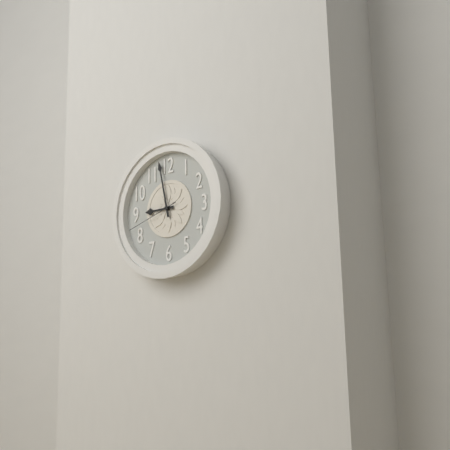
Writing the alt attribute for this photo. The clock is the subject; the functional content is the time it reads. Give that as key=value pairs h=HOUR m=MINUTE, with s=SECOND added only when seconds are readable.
h=8 m=58 s=42
